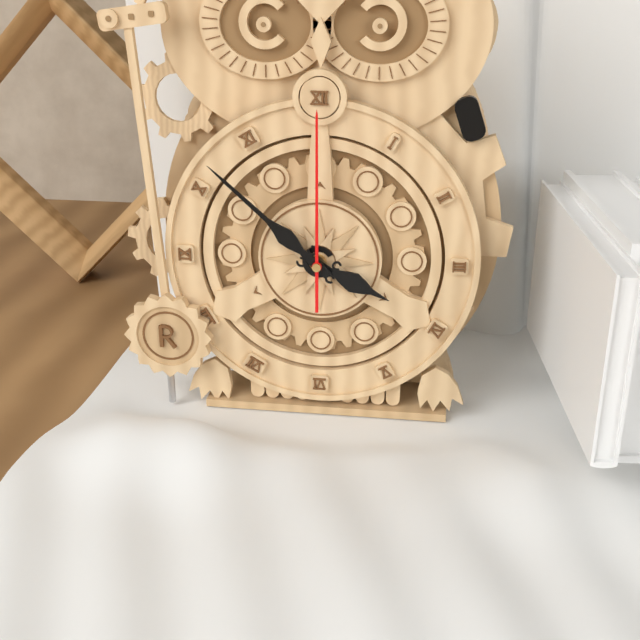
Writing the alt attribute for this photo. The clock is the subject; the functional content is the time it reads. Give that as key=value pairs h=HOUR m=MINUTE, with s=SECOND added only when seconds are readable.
h=3 m=52 s=0
